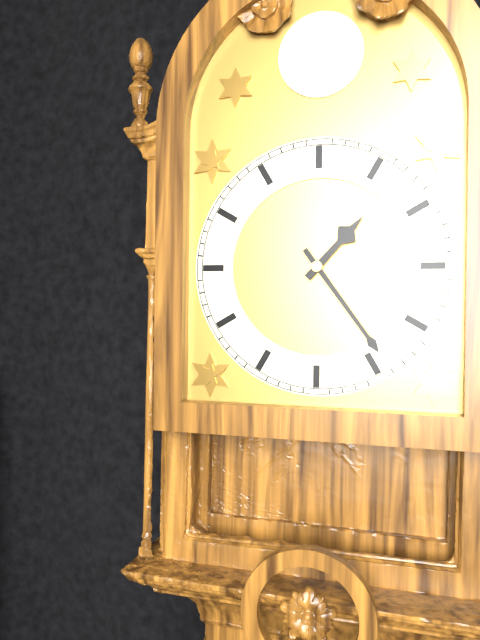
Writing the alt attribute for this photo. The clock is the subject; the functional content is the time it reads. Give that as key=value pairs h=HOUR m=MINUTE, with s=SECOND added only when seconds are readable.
h=1 m=24
